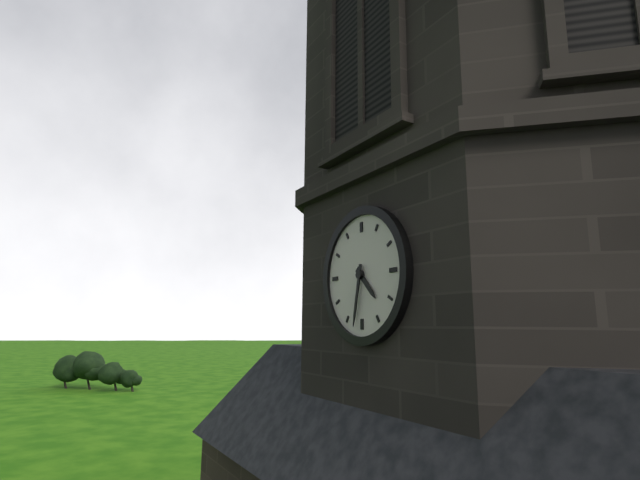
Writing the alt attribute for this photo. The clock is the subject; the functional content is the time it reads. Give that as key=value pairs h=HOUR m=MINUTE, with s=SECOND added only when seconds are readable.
h=4 m=32
